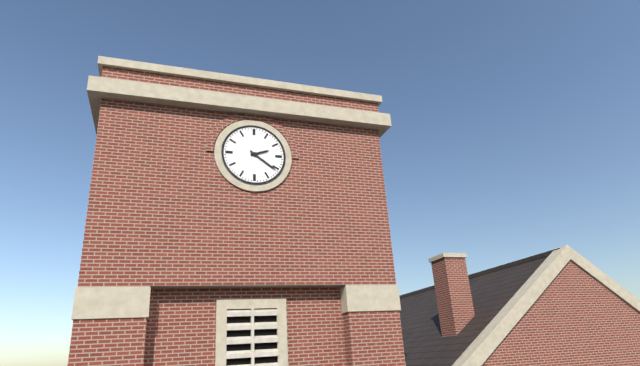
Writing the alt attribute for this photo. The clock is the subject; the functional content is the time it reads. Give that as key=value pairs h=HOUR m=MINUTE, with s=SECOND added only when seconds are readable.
h=2 m=21
